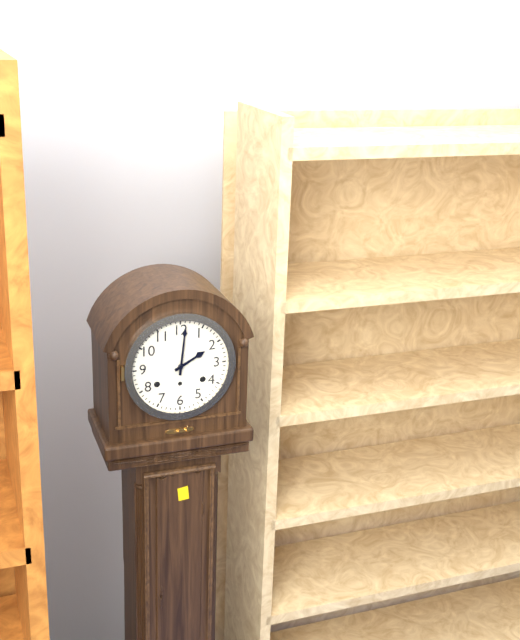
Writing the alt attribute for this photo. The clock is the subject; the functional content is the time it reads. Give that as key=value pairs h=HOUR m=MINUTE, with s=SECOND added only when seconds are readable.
h=2 m=1
